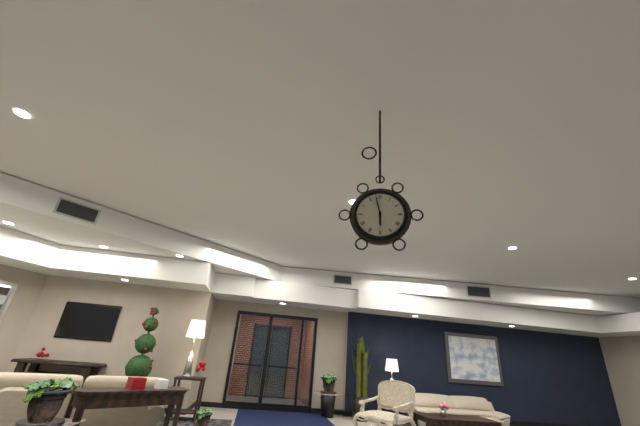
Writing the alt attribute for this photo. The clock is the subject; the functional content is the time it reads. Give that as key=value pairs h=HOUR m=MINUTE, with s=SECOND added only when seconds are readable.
h=5 m=58
